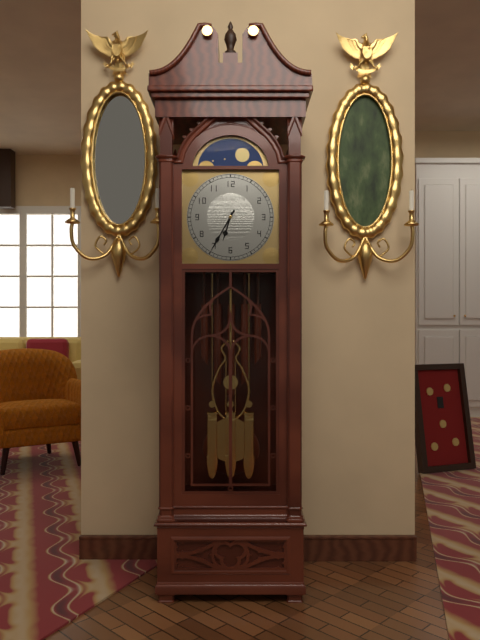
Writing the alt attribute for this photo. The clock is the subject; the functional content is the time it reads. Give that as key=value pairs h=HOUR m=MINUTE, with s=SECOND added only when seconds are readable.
h=6 m=35
